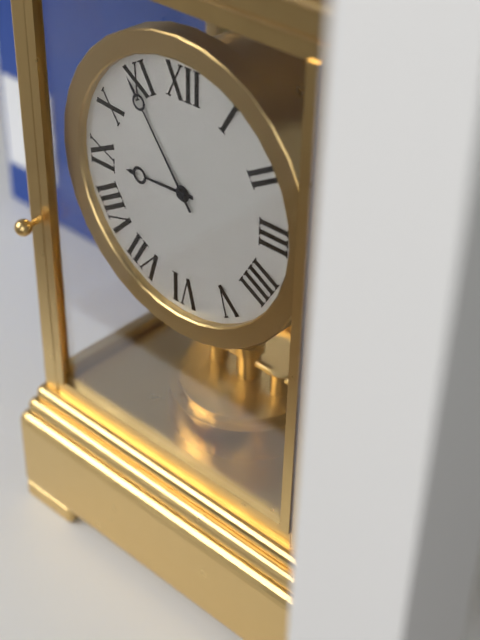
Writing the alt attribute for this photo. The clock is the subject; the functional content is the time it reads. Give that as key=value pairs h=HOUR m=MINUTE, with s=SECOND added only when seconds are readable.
h=8 m=54
